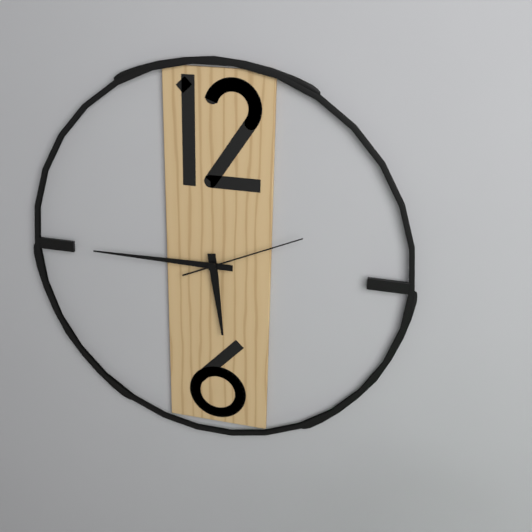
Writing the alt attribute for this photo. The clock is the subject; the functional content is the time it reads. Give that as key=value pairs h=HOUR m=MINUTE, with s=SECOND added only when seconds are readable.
h=5 m=45 s=11
